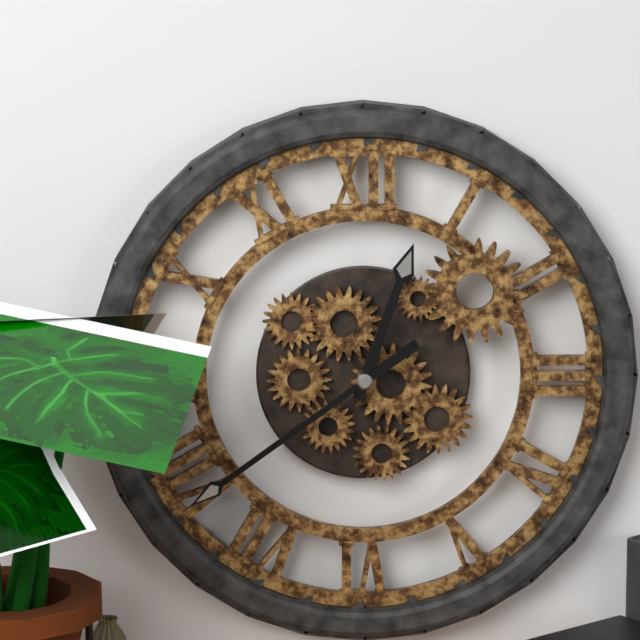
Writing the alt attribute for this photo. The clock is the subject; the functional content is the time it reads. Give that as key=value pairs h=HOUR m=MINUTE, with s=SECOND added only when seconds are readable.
h=12 m=39
